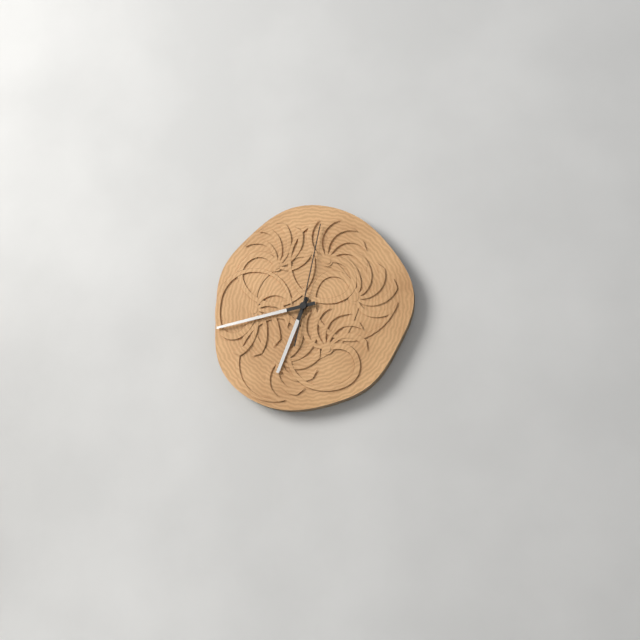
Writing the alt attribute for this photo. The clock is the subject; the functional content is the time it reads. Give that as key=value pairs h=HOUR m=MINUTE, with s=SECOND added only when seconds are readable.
h=6 m=43 s=2
